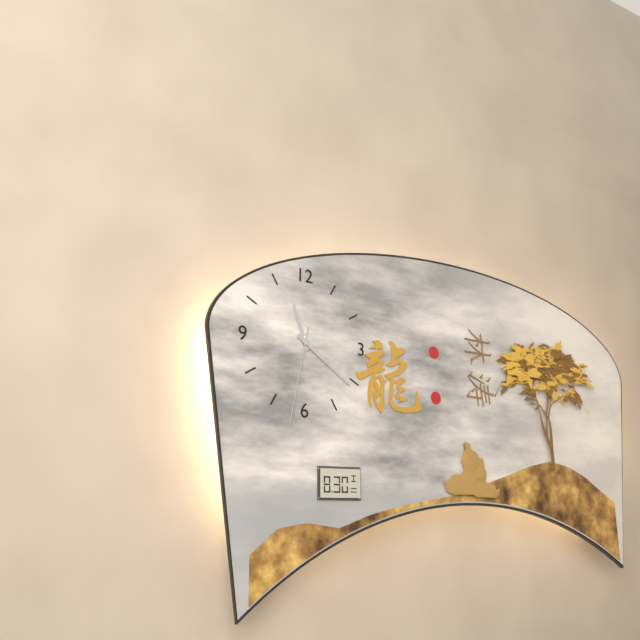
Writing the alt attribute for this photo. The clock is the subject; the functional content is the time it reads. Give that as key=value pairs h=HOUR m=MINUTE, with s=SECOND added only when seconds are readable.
h=11 m=21 s=32
